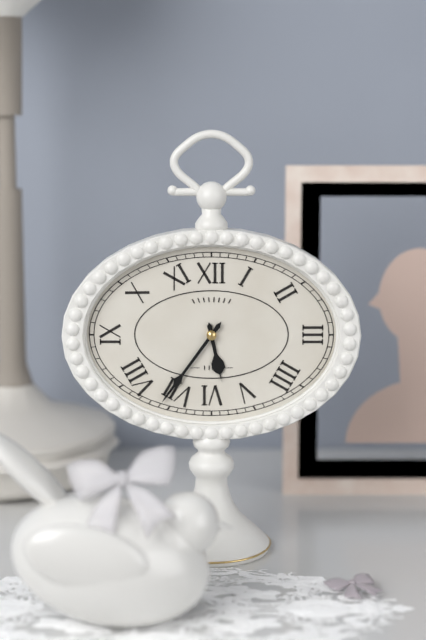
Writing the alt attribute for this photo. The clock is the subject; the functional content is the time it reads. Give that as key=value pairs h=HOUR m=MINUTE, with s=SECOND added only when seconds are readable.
h=5 m=36
